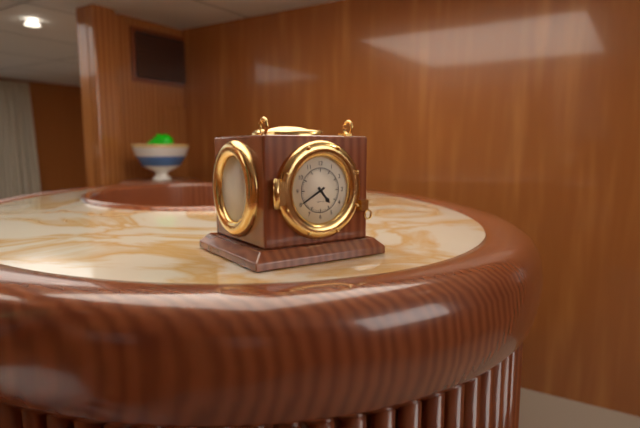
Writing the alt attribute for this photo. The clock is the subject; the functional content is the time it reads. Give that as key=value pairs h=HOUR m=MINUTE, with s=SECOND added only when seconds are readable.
h=4 m=40
